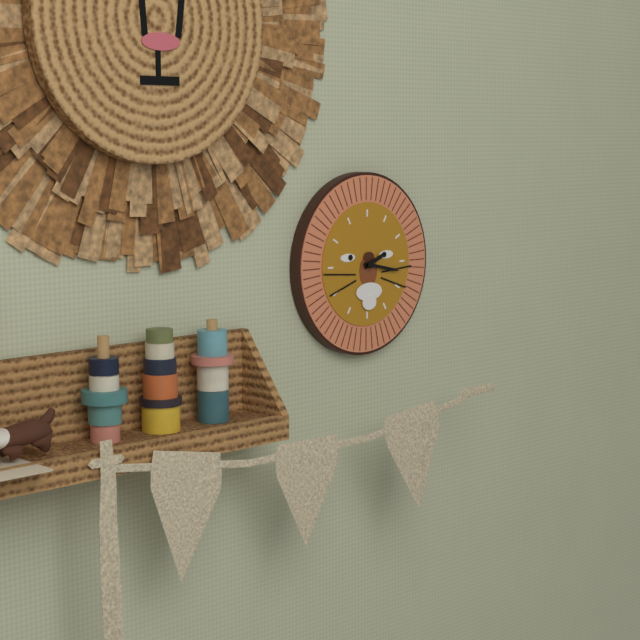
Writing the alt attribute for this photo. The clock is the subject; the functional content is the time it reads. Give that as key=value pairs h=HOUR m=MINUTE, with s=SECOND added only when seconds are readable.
h=2 m=17
